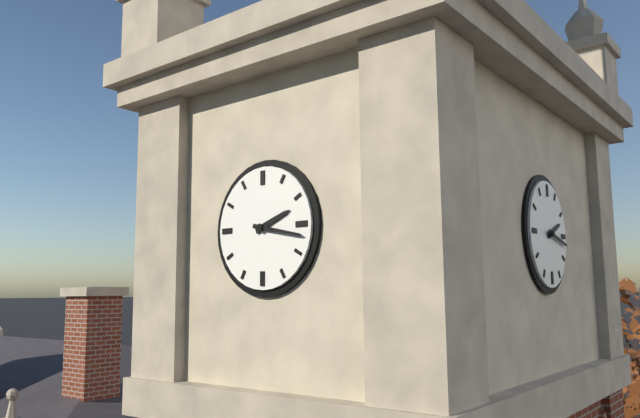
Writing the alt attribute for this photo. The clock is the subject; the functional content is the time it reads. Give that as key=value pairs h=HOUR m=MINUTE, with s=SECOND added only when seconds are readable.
h=2 m=17
